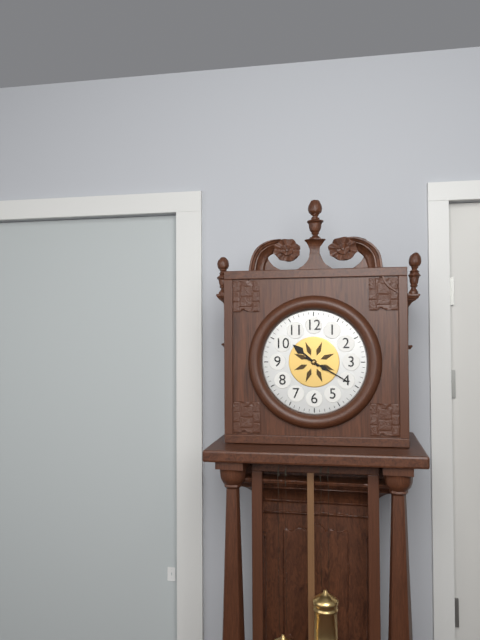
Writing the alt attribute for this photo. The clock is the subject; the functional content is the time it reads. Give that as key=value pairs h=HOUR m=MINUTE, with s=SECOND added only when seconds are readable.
h=10 m=20
